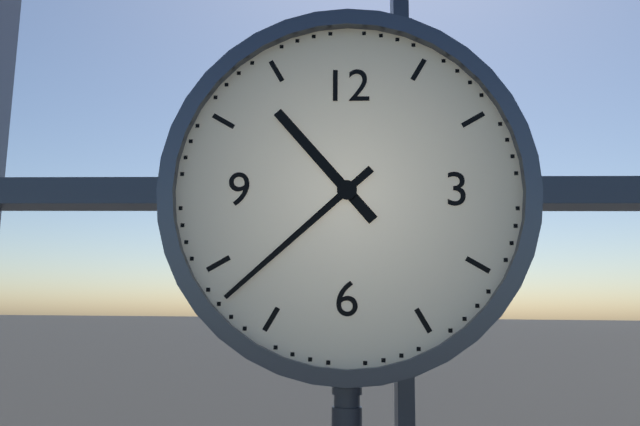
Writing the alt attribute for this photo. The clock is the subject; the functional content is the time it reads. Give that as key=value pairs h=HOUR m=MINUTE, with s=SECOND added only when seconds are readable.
h=10 m=38
